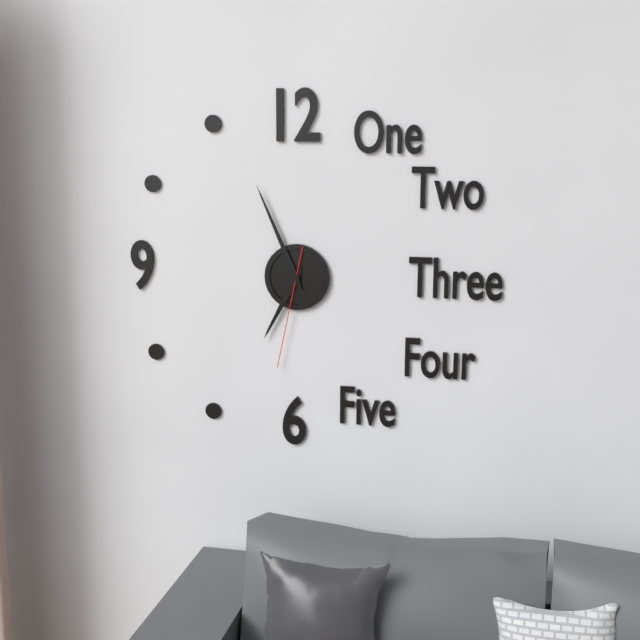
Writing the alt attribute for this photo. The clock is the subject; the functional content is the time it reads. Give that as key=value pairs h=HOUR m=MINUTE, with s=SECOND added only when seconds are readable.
h=6 m=56 s=32
